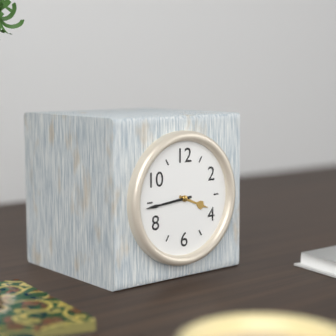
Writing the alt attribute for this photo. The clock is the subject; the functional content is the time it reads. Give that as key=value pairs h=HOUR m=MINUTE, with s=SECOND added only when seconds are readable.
h=3 m=44
